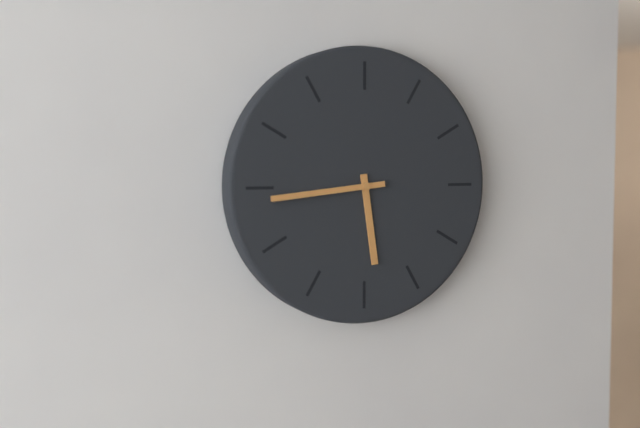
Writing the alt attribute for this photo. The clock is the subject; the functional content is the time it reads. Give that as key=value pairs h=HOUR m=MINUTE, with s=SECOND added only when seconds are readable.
h=5 m=44
